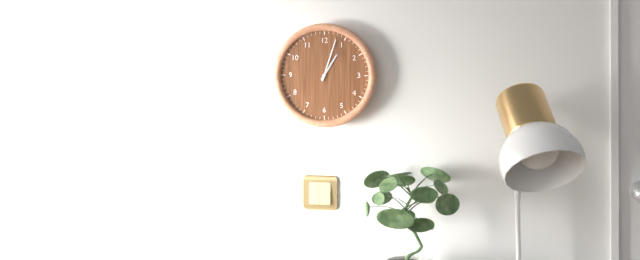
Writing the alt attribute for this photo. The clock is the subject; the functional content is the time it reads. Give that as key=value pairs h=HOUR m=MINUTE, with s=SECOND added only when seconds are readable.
h=1 m=3
